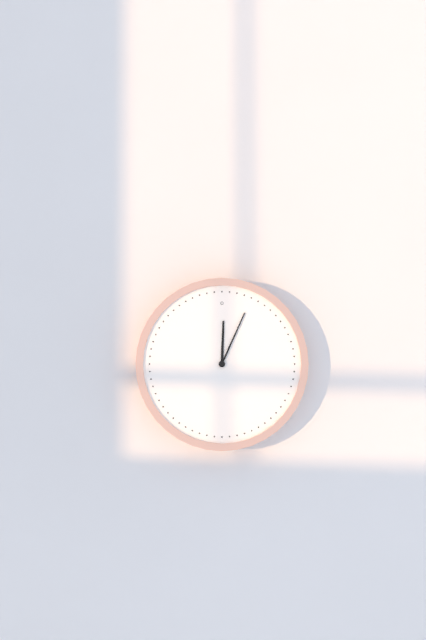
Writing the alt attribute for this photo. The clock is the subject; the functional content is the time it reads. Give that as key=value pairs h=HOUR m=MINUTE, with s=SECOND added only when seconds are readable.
h=12 m=4
